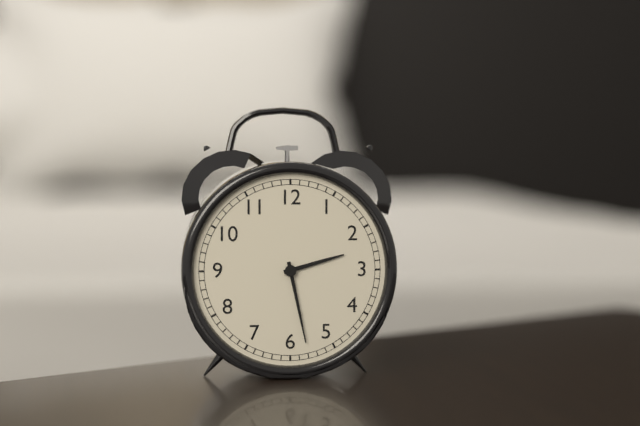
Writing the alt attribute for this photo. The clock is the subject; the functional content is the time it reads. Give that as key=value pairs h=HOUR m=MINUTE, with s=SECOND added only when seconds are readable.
h=2 m=28
